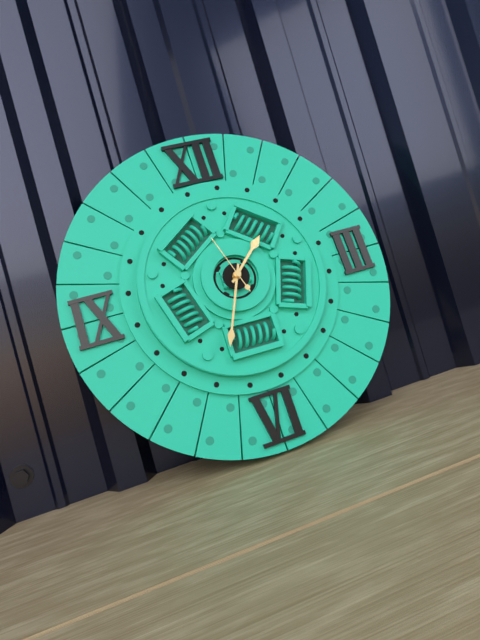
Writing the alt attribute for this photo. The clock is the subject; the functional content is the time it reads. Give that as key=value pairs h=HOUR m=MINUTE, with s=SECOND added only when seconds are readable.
h=1 m=34 s=57
